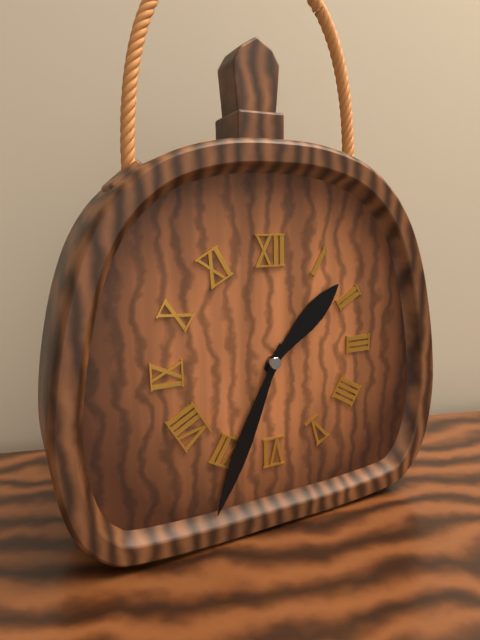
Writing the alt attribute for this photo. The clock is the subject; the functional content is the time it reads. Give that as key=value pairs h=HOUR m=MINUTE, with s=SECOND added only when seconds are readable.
h=1 m=34
